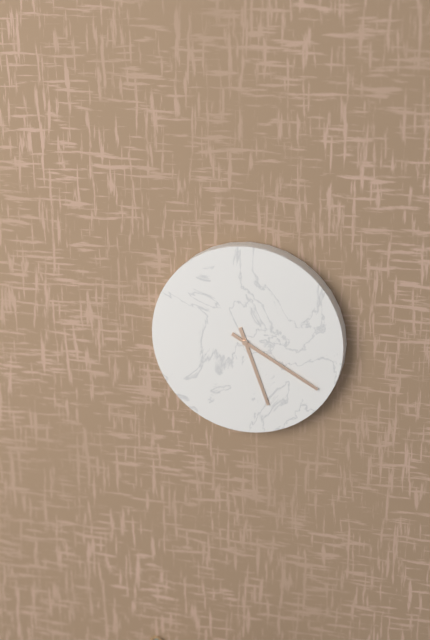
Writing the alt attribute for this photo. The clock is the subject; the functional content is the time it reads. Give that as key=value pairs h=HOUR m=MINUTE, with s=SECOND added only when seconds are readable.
h=5 m=20
